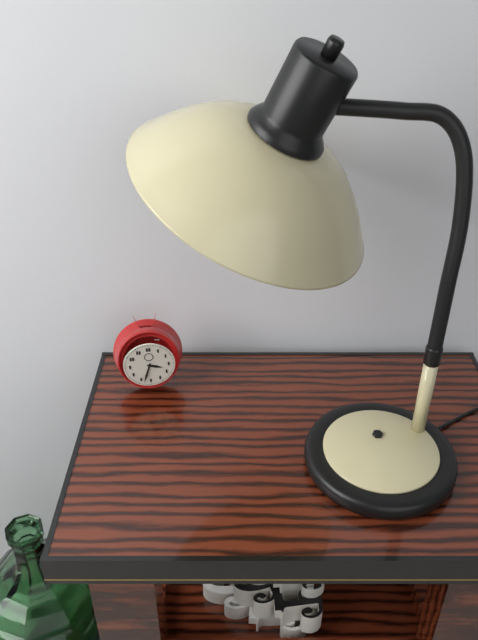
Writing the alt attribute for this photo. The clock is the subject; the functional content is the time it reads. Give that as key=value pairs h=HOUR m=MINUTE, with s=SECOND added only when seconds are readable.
h=3 m=33
